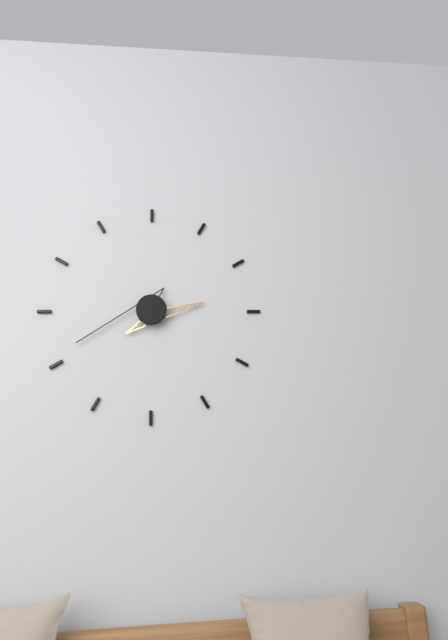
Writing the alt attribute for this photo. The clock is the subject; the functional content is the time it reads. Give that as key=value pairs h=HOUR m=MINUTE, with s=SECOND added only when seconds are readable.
h=2 m=41
